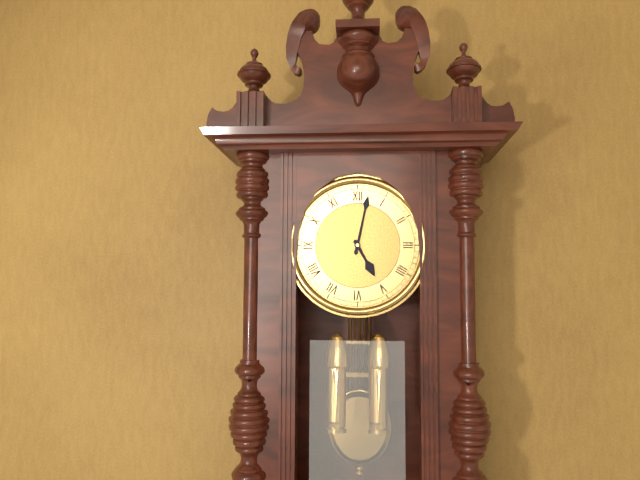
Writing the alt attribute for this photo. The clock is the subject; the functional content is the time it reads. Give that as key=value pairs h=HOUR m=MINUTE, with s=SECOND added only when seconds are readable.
h=5 m=2
